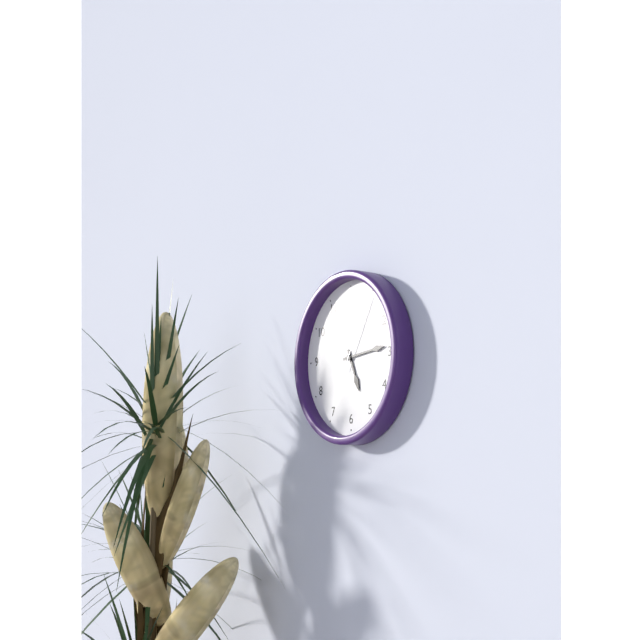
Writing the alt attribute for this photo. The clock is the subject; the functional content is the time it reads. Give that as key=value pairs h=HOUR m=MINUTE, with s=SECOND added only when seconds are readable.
h=5 m=14 s=5
